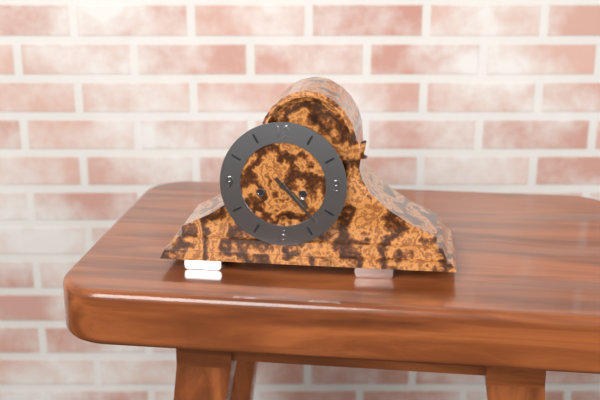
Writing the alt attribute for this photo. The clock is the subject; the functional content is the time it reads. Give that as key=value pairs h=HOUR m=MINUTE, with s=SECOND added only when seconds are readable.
h=4 m=23
